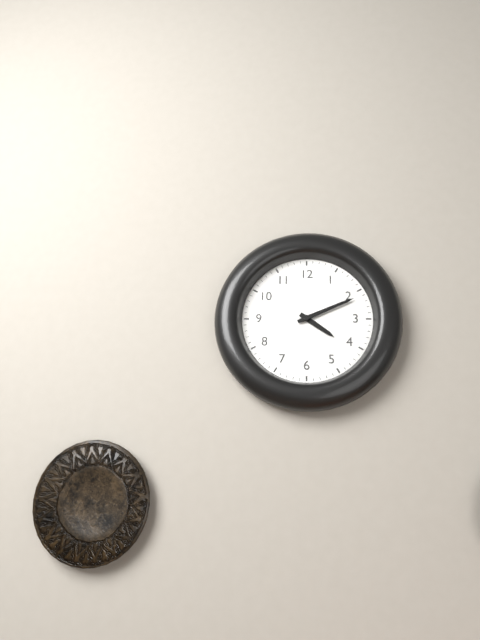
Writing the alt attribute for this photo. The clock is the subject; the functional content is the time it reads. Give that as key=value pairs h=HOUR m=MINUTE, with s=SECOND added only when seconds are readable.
h=4 m=11
